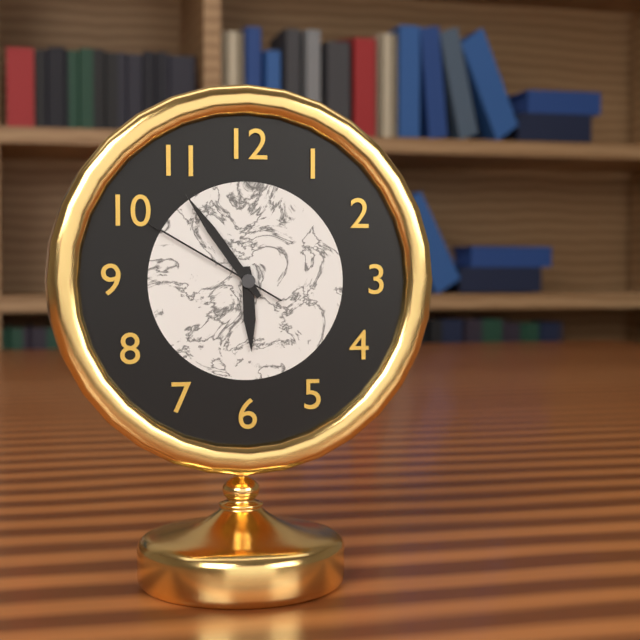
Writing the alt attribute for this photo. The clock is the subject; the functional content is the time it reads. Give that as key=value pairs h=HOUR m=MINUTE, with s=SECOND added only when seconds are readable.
h=5 m=54 s=50
